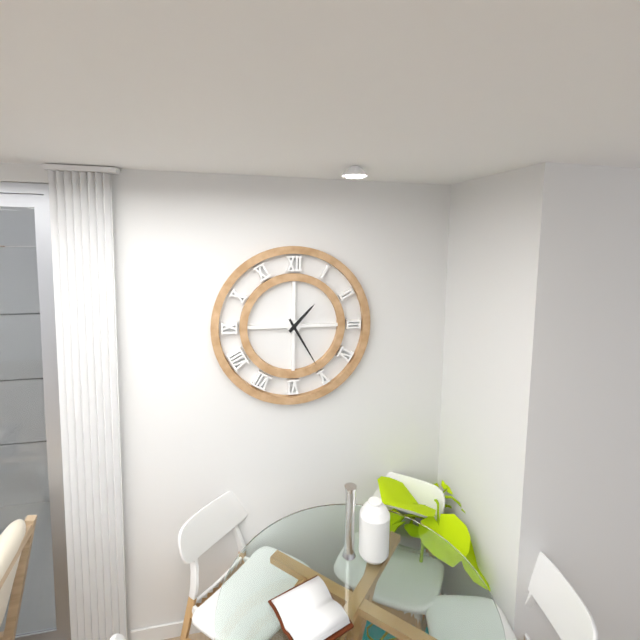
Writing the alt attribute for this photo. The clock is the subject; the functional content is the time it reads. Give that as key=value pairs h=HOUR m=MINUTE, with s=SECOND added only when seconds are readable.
h=1 m=25
